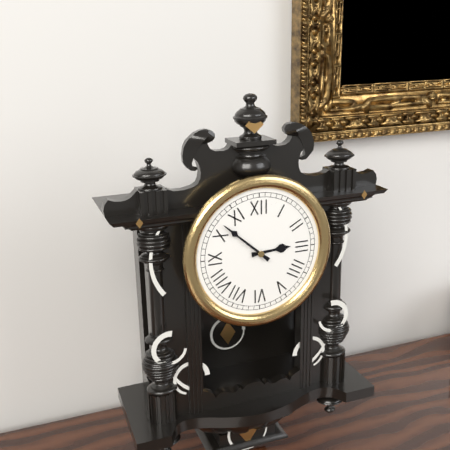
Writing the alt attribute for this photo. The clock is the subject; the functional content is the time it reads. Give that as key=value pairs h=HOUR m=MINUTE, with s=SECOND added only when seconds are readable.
h=2 m=52
